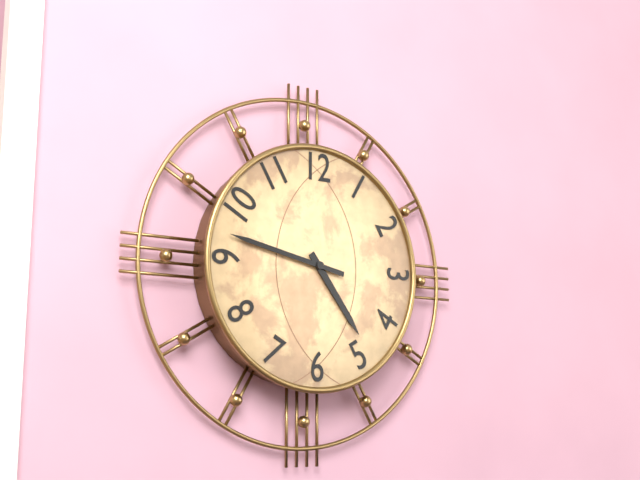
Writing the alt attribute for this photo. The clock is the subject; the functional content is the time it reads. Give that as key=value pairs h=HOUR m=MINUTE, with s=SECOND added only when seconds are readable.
h=4 m=47
